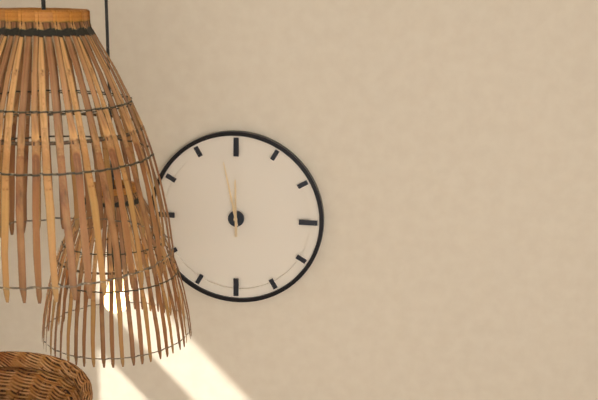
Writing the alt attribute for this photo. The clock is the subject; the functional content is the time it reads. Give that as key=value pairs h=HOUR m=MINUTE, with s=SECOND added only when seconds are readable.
h=11 m=58
